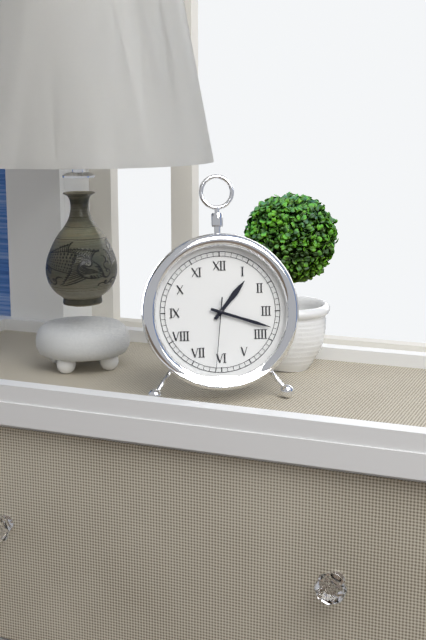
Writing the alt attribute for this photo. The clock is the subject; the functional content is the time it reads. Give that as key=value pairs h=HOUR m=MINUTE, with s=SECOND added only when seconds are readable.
h=1 m=18 s=31
